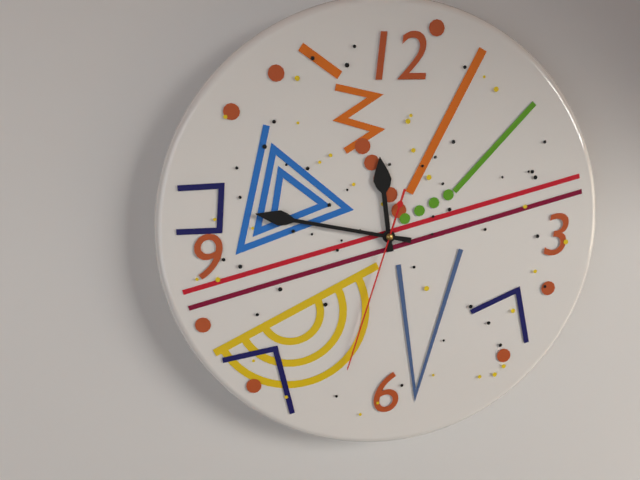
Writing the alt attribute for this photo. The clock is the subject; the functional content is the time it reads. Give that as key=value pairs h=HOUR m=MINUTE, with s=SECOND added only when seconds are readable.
h=11 m=47 s=33
